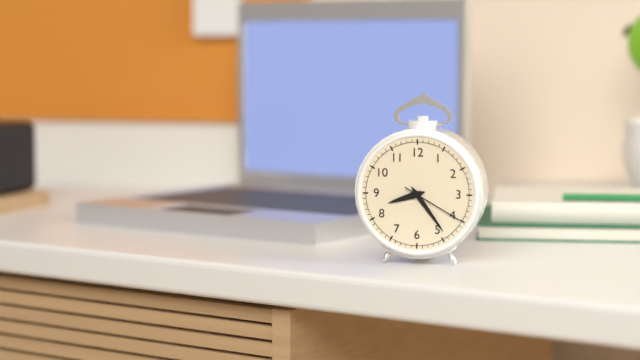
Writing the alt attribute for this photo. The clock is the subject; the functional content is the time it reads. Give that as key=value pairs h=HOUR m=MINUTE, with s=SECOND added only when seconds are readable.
h=8 m=24 s=20
